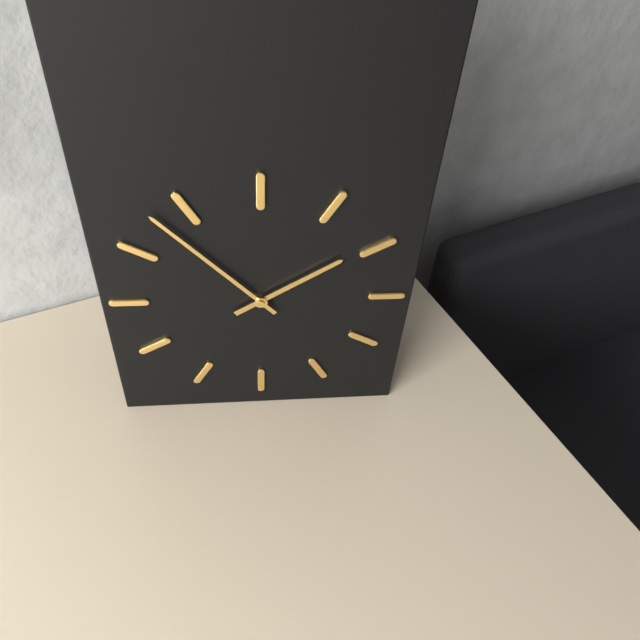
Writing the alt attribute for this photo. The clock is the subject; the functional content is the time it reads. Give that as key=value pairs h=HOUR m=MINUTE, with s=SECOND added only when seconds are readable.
h=1 m=53
